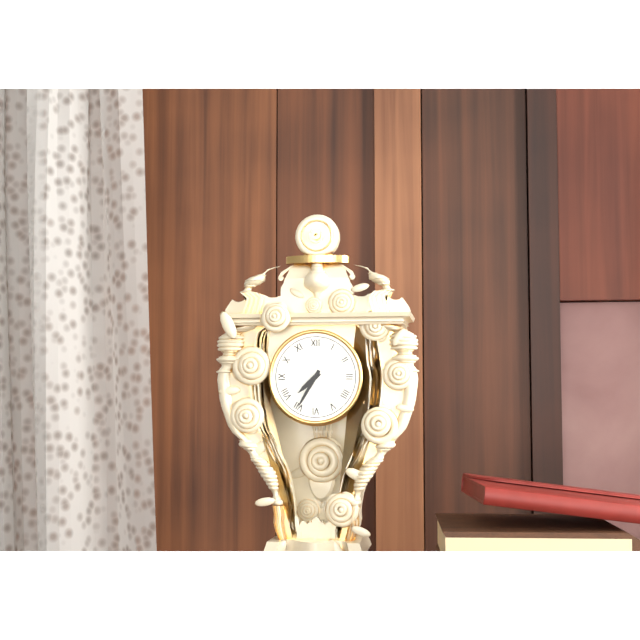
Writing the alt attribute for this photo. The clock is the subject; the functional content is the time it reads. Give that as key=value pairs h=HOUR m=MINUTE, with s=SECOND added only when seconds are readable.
h=7 m=35
